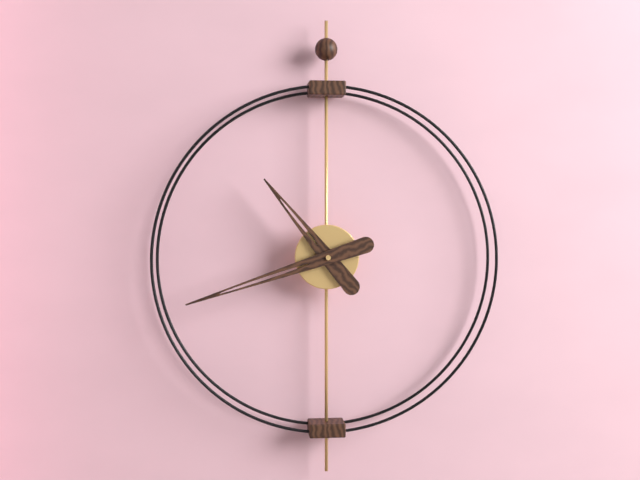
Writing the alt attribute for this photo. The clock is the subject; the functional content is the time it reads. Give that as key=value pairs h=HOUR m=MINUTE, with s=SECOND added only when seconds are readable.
h=10 m=42
